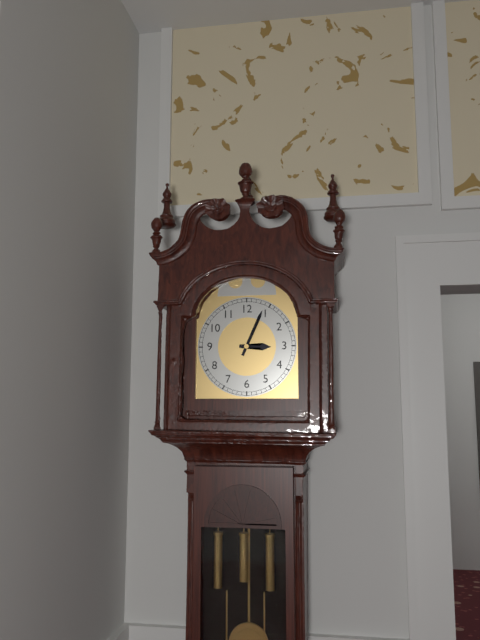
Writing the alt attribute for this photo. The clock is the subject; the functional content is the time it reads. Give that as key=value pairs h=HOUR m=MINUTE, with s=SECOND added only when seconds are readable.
h=3 m=4
